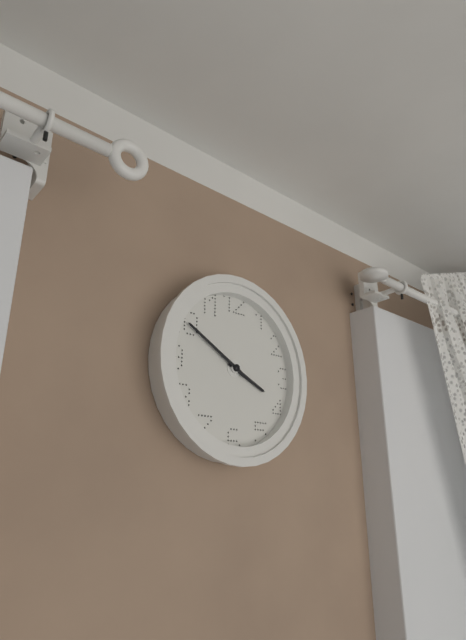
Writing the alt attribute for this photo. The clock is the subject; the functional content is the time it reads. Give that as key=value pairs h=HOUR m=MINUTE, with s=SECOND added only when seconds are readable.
h=3 m=50
